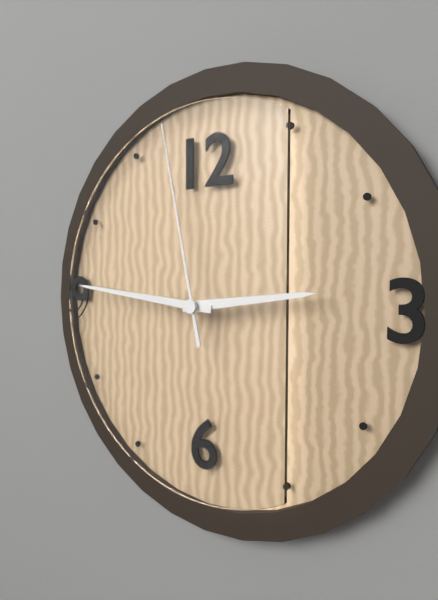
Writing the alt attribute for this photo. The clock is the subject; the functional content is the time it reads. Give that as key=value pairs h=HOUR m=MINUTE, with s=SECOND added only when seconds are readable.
h=2 m=46 s=58
